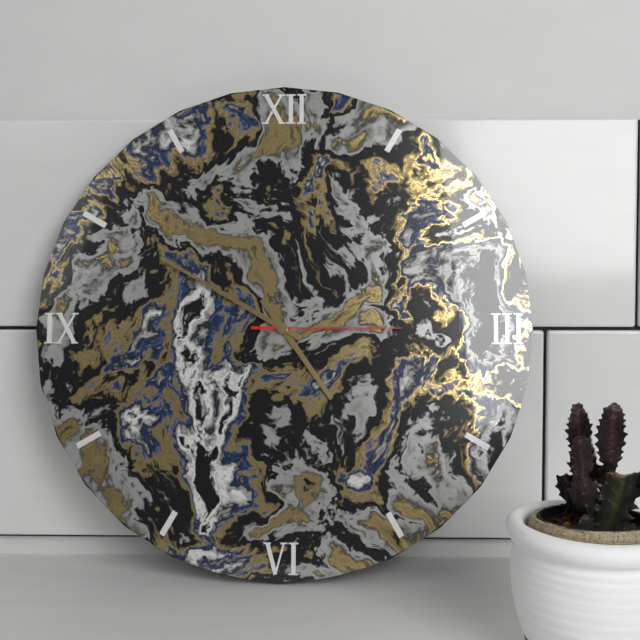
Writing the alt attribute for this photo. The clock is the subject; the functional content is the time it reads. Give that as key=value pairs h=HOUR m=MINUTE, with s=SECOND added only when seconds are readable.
h=4 m=50 s=15
